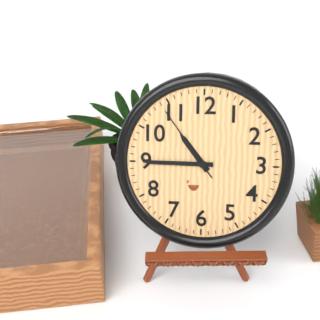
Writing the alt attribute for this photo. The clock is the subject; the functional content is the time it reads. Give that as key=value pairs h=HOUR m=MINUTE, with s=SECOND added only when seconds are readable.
h=10 m=45 s=54
